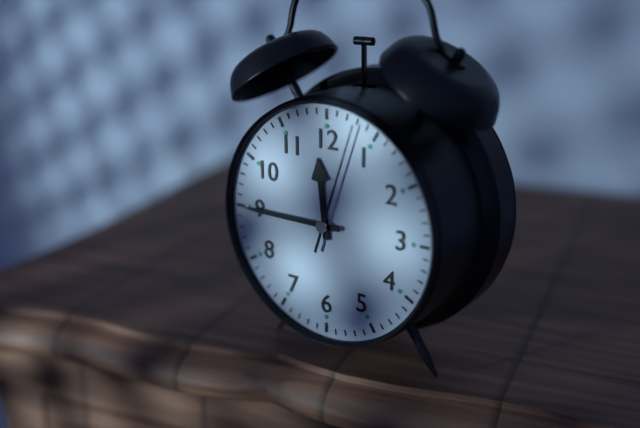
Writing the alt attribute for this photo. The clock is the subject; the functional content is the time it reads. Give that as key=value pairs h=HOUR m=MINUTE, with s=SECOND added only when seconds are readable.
h=11 m=45 s=3
